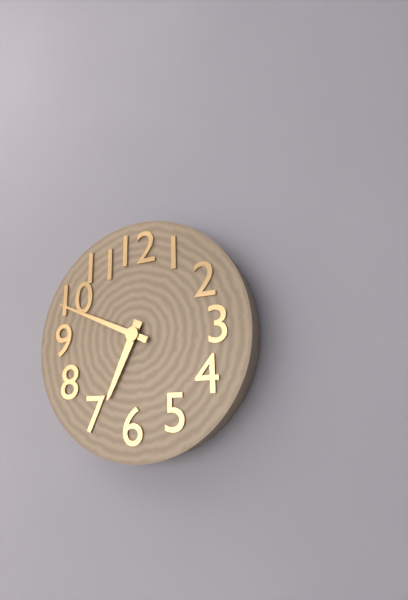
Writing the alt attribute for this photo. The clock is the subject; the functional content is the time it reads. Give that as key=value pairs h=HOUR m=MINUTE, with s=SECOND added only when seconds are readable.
h=6 m=49
